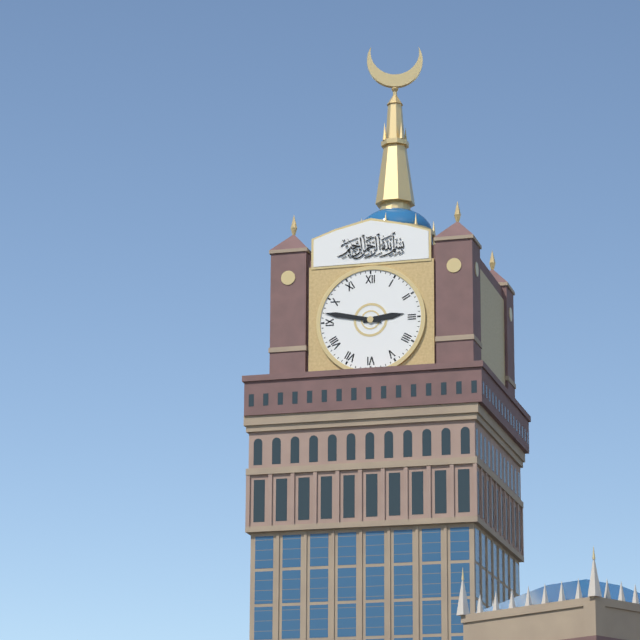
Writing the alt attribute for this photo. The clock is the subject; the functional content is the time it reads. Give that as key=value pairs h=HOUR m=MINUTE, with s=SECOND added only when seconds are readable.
h=2 m=47
